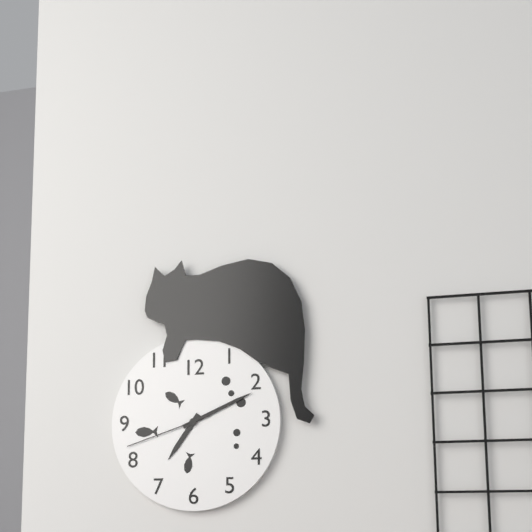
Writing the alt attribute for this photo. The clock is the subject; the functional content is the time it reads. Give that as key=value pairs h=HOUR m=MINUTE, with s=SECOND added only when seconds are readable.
h=7 m=11 s=42
